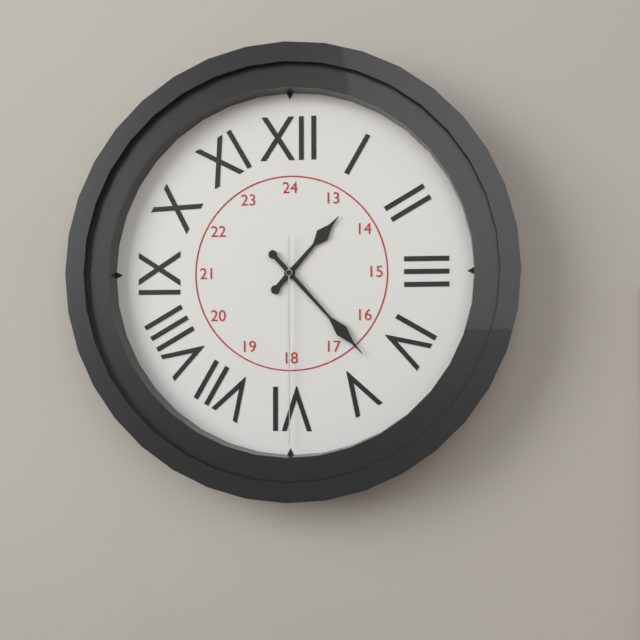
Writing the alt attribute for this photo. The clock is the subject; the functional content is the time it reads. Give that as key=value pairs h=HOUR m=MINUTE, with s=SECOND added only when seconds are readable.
h=1 m=23 s=30
